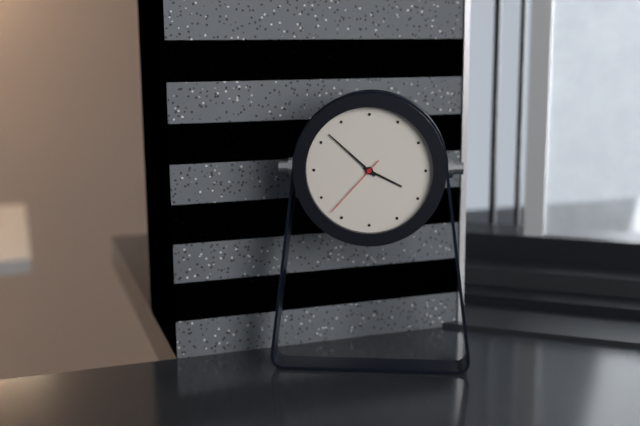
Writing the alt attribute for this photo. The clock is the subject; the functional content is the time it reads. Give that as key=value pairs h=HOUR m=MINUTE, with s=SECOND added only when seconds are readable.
h=3 m=52 s=37
